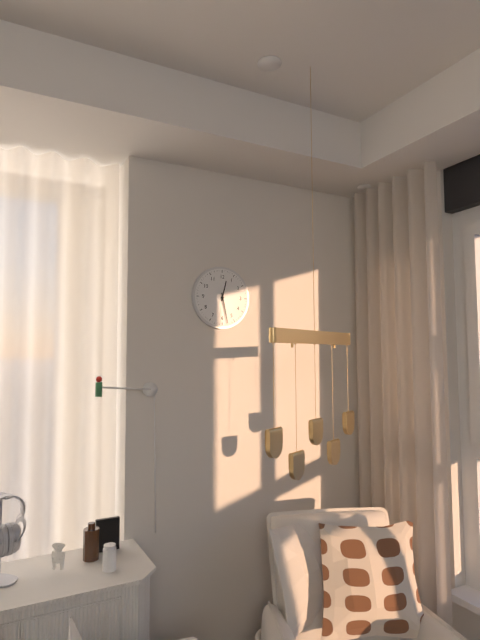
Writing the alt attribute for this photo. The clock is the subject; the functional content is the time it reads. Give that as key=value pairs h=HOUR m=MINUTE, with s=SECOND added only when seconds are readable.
h=12 m=28
